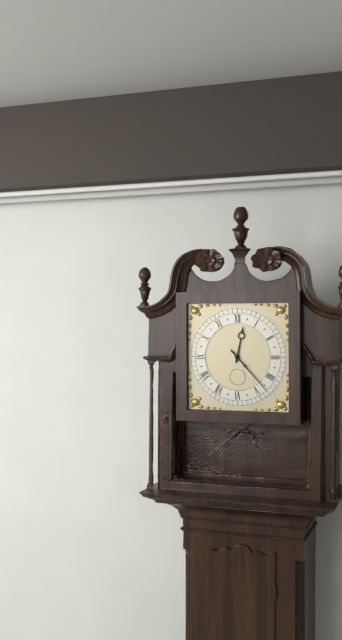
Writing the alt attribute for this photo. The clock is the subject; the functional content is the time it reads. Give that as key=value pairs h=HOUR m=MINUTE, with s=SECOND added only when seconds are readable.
h=12 m=23
